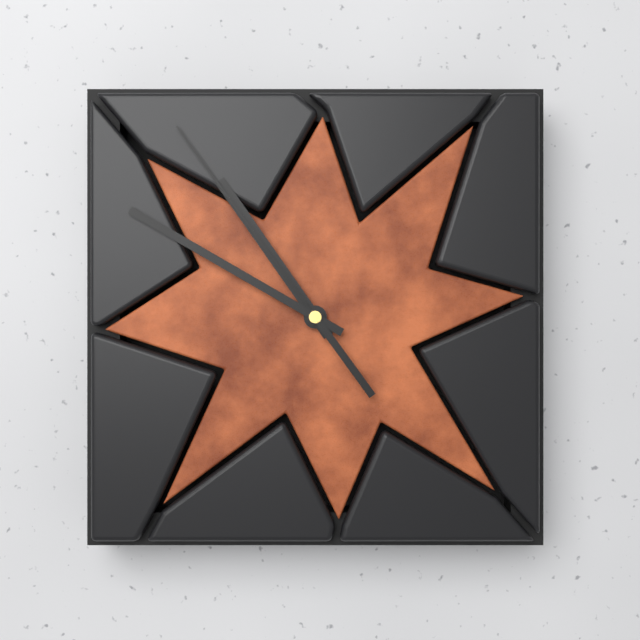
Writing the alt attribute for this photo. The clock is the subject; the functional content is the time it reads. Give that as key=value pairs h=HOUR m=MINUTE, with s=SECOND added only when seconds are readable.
h=10 m=50 s=54
